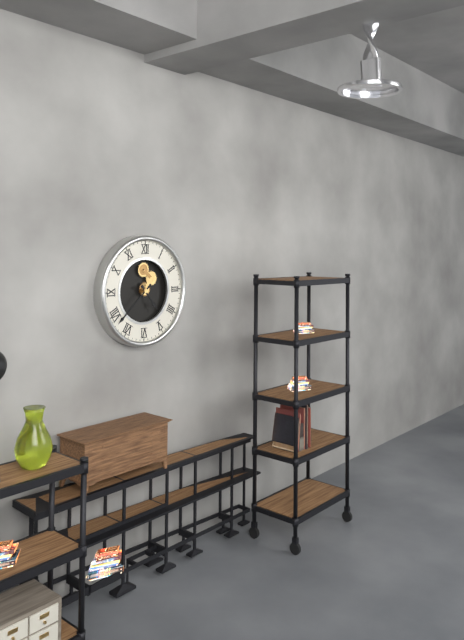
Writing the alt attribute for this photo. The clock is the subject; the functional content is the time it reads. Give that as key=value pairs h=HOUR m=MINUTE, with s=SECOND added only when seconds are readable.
h=4 m=38
